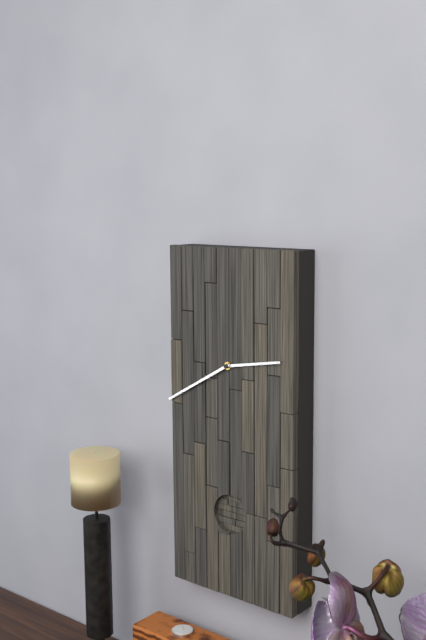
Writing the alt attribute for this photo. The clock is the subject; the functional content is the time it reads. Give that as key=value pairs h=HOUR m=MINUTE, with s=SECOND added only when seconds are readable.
h=2 m=40
